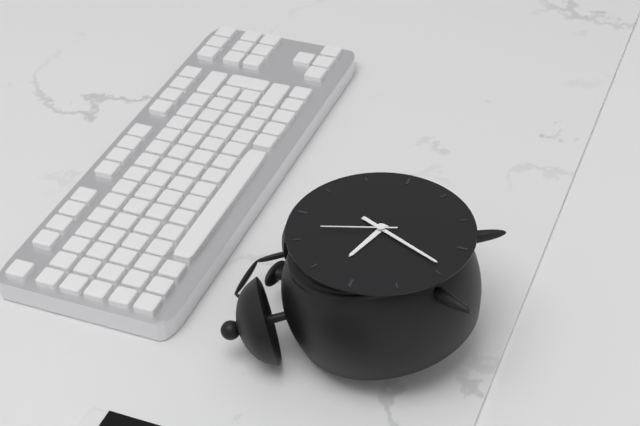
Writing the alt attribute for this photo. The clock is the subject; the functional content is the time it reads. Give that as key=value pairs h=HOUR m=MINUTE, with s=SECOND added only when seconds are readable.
h=9 m=34 s=57
